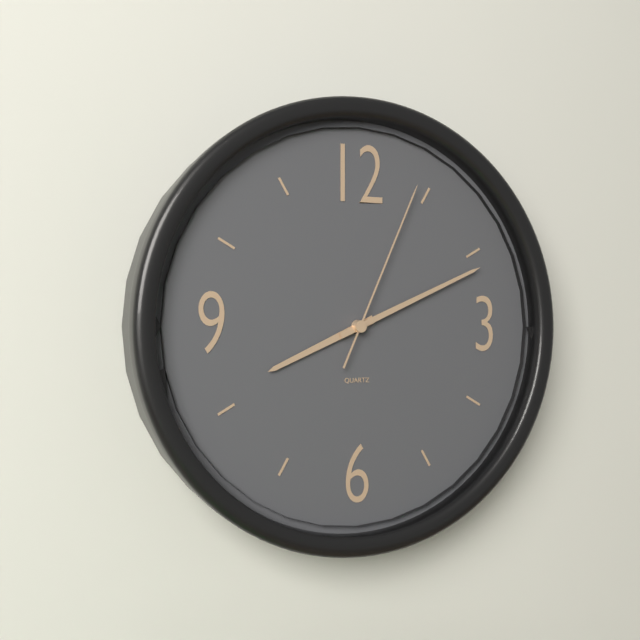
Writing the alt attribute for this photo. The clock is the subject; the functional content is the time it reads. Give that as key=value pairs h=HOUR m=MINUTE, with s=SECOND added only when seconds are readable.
h=8 m=11 s=4
